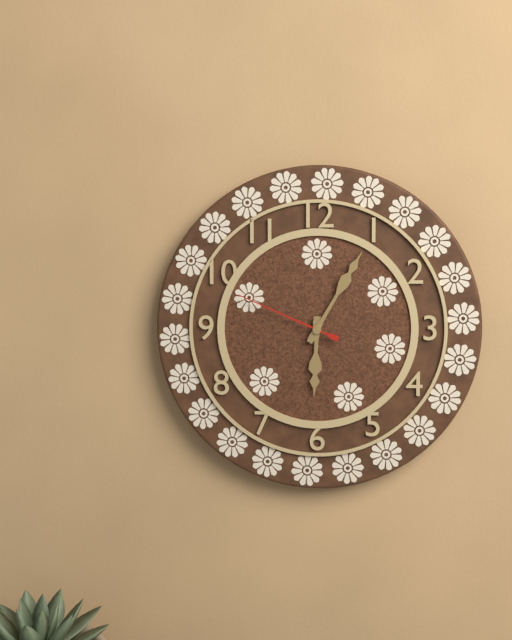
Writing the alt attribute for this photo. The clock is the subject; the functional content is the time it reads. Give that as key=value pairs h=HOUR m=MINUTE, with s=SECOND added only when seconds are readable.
h=6 m=5 s=49
